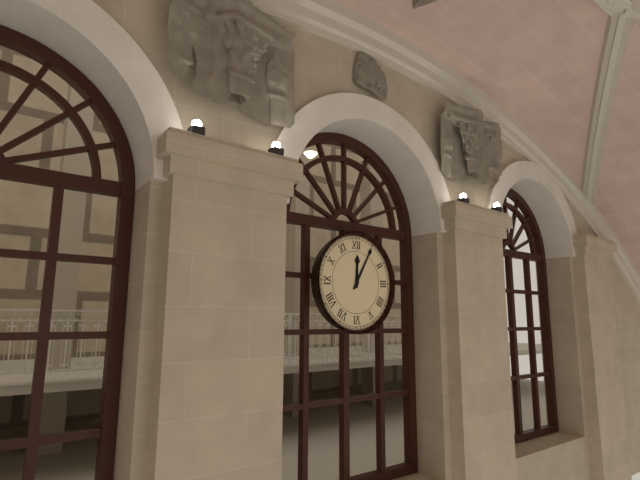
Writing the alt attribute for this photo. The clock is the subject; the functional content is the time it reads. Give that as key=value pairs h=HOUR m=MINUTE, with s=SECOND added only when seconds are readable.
h=12 m=5
